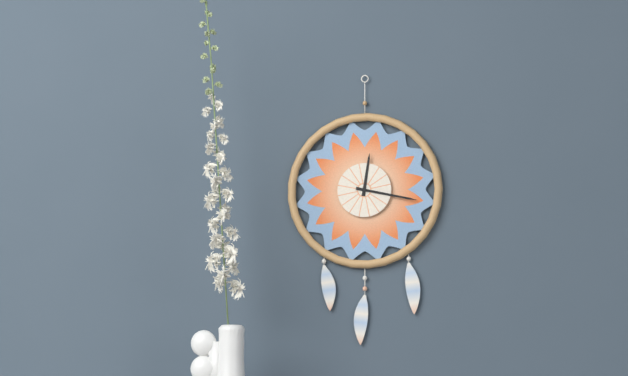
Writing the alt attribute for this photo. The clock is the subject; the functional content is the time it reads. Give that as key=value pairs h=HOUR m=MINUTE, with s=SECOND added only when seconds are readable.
h=12 m=17
